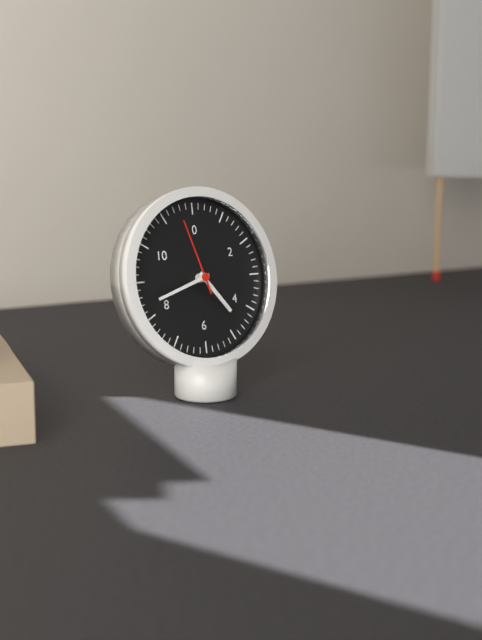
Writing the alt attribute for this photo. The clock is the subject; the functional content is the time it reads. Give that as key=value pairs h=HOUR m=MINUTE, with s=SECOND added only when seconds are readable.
h=4 m=42 s=57
